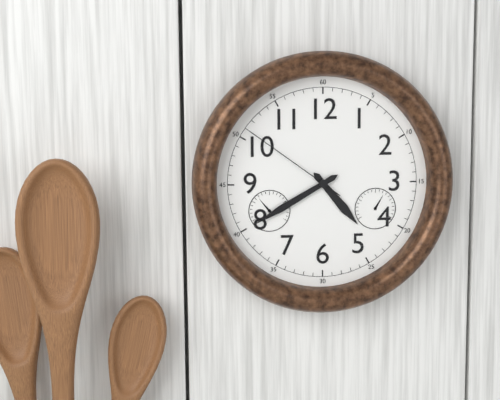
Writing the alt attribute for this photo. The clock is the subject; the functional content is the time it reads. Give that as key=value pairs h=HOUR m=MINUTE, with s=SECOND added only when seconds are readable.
h=4 m=40 s=51
